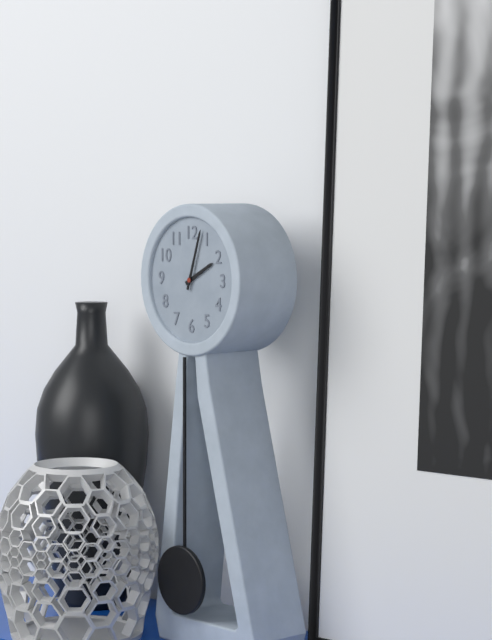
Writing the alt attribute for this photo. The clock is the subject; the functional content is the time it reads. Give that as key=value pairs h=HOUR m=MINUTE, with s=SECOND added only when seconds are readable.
h=2 m=3
